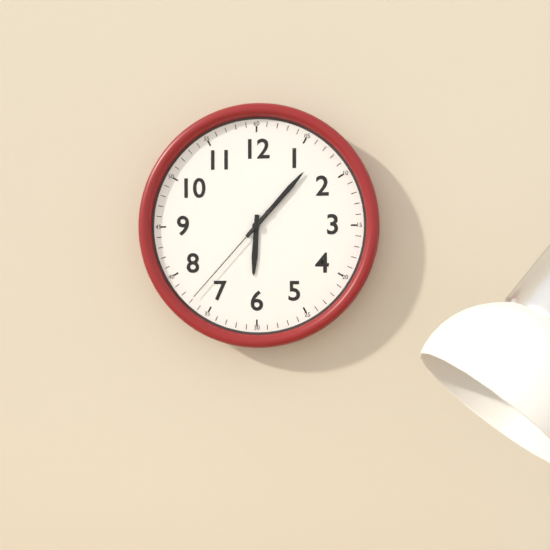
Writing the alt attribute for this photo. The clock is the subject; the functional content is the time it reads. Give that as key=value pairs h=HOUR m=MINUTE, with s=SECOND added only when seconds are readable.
h=6 m=7 s=37
